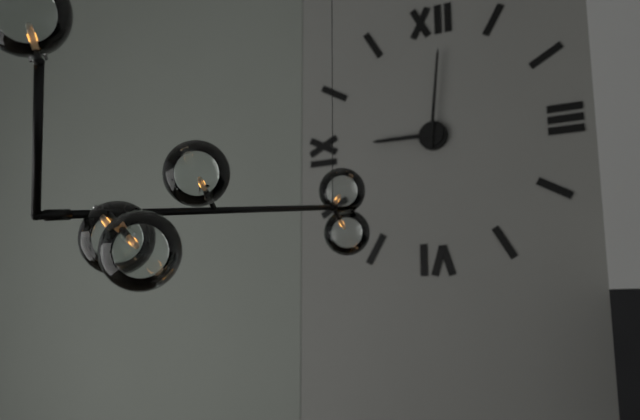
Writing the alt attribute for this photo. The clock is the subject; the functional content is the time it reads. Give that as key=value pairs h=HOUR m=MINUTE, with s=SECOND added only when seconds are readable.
h=9 m=1
